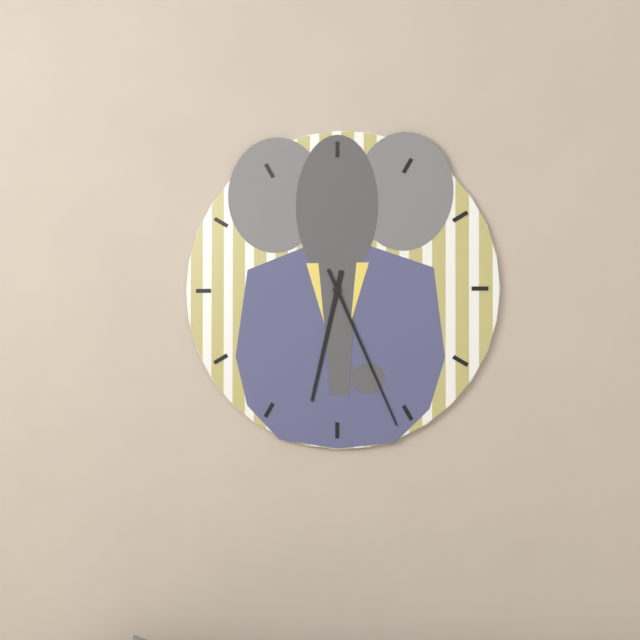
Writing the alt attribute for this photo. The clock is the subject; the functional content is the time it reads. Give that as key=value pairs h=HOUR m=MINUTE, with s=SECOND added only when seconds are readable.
h=6 m=26
